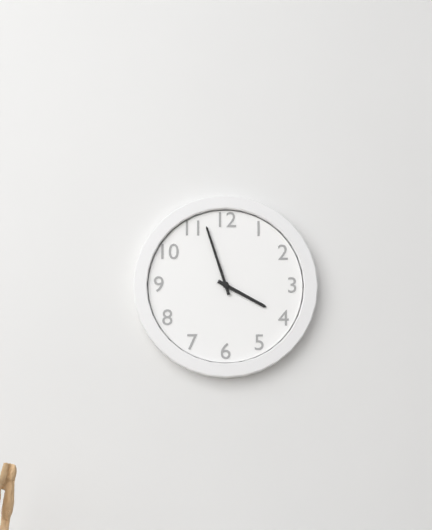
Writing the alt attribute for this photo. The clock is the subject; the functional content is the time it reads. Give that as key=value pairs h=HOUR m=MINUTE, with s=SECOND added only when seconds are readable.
h=3 m=57
